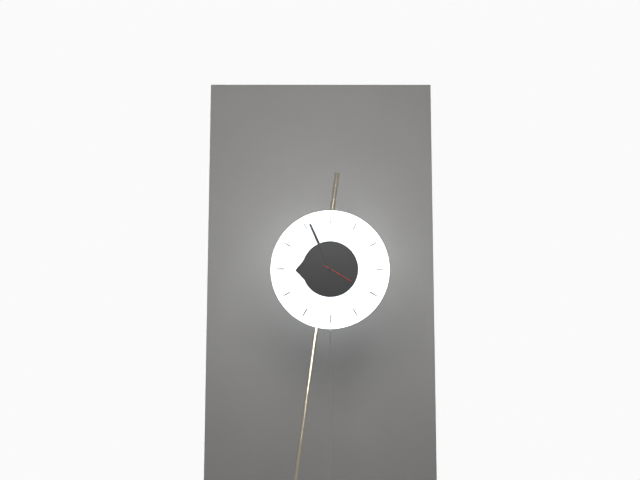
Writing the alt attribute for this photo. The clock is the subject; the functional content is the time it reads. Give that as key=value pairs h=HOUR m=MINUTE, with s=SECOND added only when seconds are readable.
h=8 m=56 s=20
